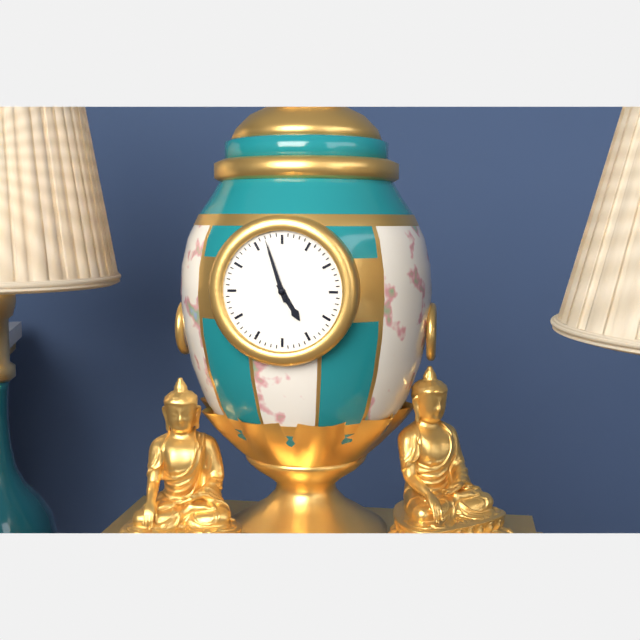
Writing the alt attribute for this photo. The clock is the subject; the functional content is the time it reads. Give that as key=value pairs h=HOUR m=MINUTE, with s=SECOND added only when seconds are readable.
h=4 m=57
